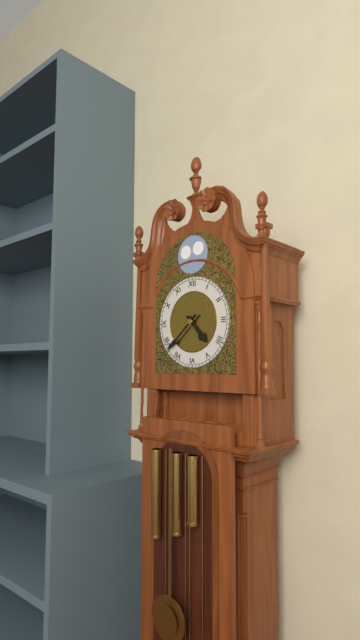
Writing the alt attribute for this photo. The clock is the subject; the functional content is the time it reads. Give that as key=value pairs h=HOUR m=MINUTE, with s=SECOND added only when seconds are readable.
h=4 m=38
